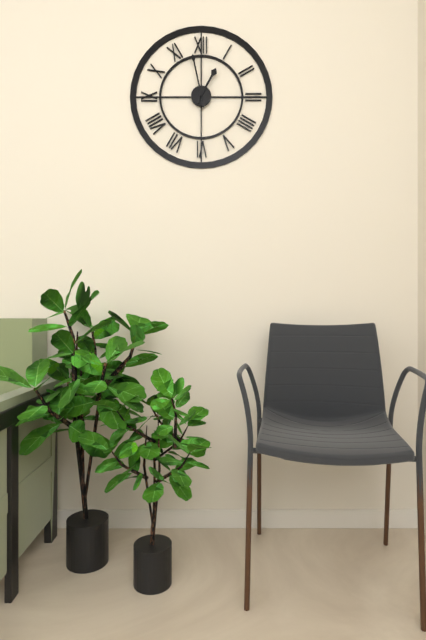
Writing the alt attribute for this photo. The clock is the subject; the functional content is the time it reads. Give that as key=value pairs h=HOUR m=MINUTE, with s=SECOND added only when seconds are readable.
h=12 m=58
